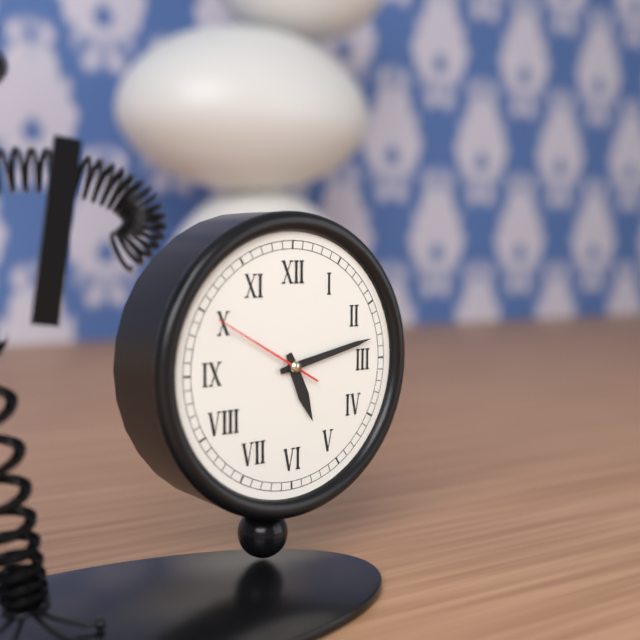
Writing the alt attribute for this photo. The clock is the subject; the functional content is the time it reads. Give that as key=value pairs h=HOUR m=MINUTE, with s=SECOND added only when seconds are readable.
h=5 m=13 s=50
